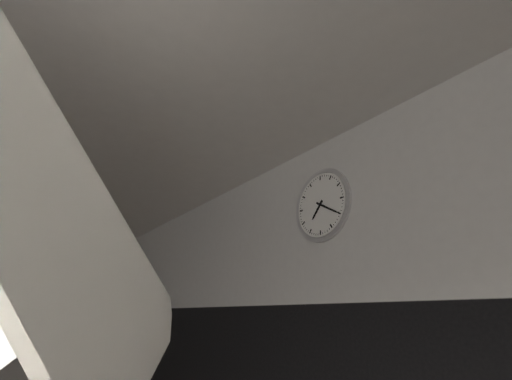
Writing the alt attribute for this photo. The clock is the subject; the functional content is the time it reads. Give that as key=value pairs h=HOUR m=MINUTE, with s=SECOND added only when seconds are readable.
h=7 m=20
